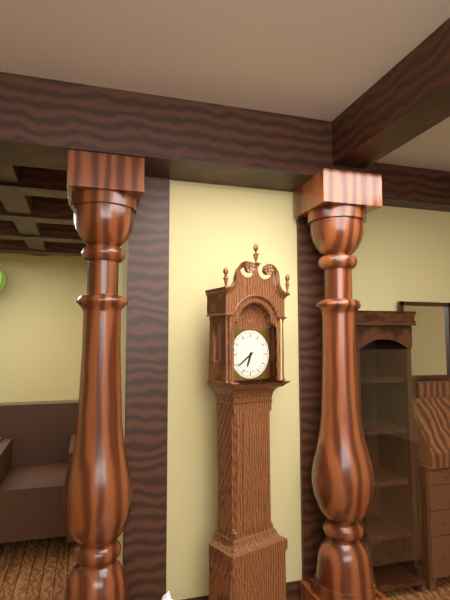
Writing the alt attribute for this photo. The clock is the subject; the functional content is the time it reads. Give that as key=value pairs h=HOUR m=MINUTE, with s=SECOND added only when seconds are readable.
h=6 m=39
